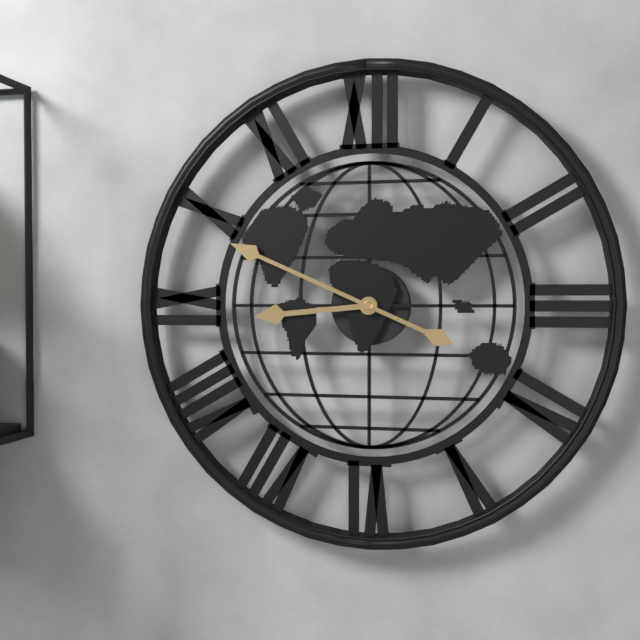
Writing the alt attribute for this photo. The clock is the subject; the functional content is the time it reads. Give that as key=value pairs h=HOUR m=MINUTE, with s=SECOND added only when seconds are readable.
h=8 m=49
